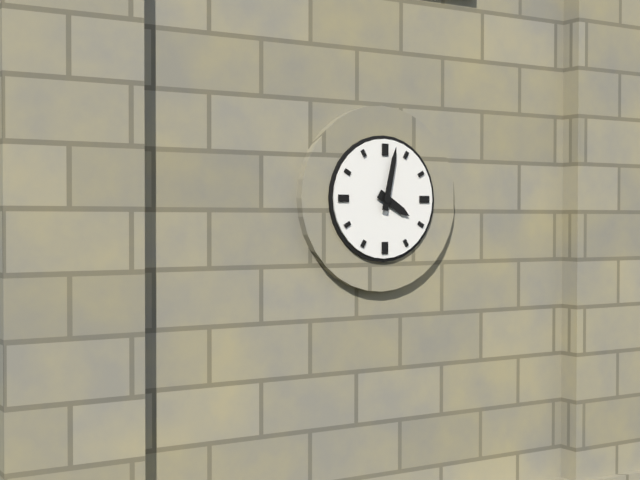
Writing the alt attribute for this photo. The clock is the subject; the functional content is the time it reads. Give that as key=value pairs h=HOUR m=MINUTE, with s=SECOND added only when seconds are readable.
h=4 m=2
